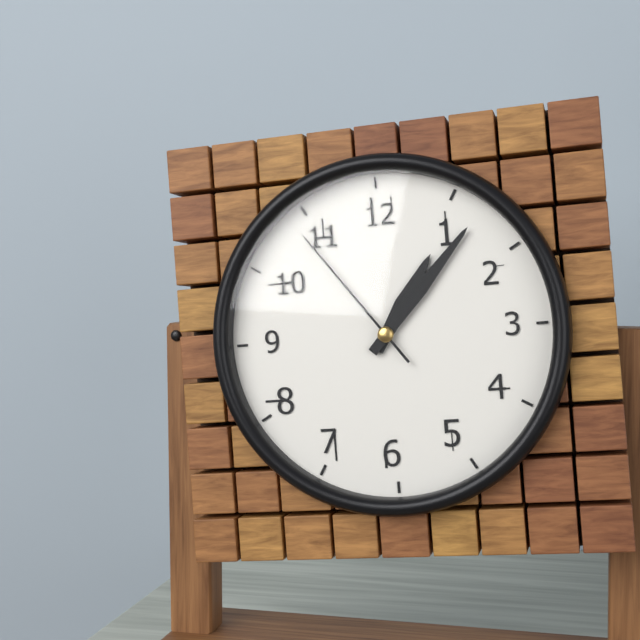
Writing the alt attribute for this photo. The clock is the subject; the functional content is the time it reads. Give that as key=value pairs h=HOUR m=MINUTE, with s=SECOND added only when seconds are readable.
h=1 m=7 s=54
